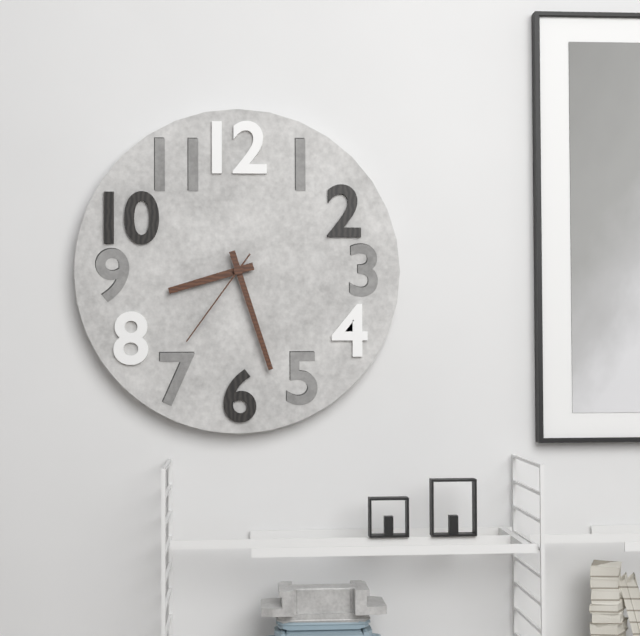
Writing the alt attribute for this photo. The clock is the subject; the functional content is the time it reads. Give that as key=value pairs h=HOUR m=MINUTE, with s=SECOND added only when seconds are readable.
h=8 m=27 s=36
